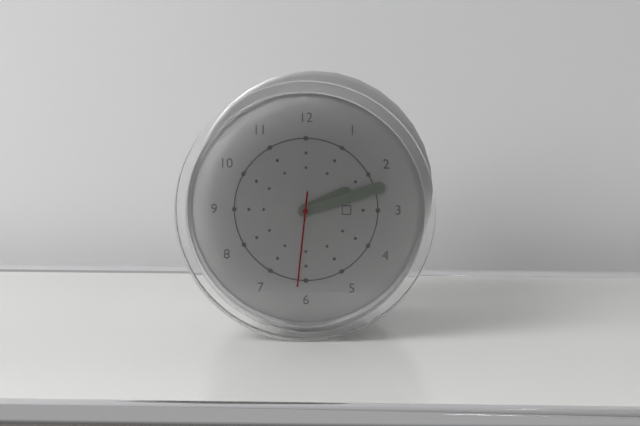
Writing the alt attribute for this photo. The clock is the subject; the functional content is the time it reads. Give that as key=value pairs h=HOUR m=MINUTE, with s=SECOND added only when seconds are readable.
h=2 m=12 s=31
